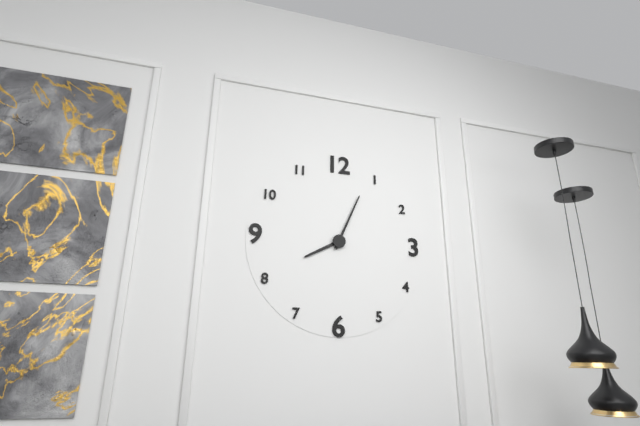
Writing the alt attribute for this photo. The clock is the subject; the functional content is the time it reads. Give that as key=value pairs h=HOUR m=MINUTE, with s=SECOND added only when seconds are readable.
h=8 m=4
